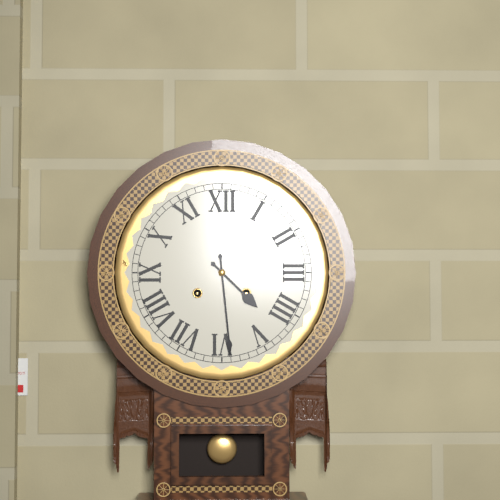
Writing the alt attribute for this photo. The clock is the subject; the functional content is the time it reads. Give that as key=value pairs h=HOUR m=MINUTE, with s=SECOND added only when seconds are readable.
h=4 m=29
